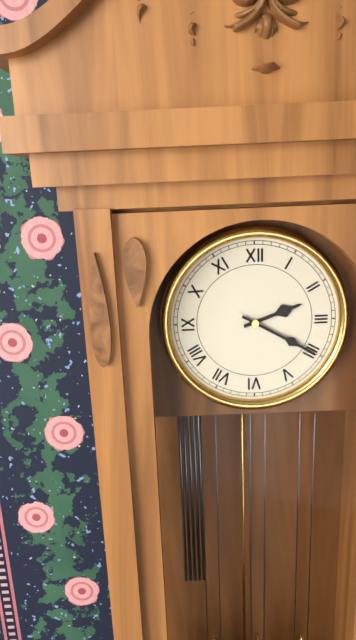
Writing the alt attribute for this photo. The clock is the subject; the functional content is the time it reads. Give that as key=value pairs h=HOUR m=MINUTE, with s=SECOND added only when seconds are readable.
h=2 m=20
